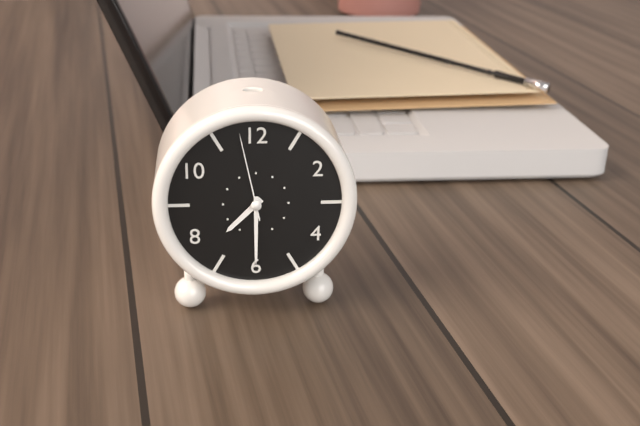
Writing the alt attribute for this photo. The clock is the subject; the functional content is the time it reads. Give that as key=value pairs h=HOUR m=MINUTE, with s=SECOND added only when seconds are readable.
h=7 m=30 s=58
